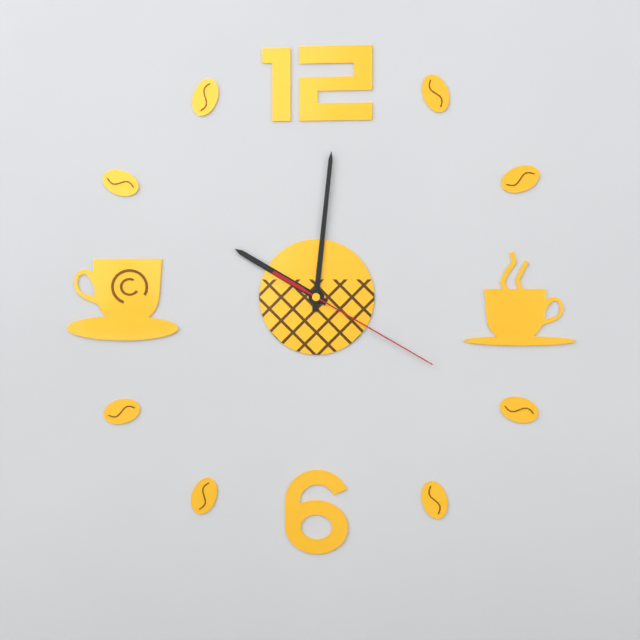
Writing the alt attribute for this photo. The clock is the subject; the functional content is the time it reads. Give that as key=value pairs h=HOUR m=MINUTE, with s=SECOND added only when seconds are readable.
h=10 m=1 s=20
